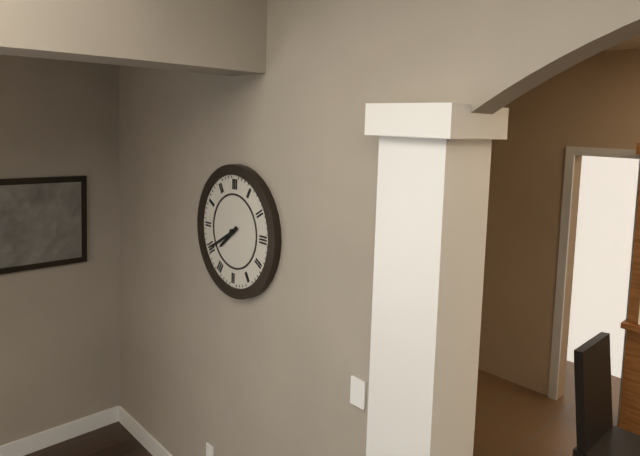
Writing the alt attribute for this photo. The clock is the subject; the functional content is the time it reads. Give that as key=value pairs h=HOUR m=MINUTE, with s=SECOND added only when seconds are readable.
h=7 m=40
